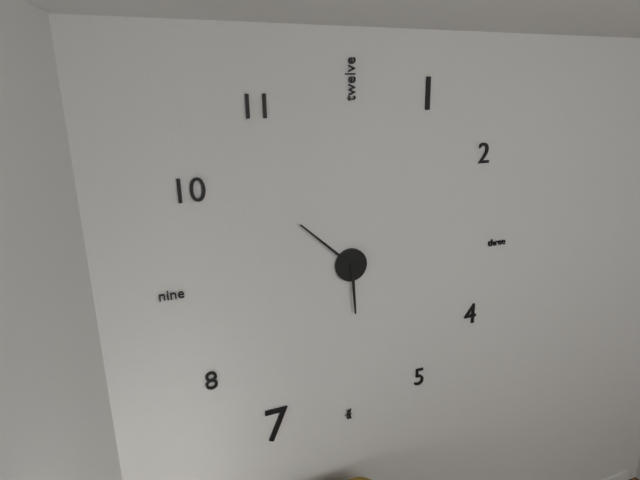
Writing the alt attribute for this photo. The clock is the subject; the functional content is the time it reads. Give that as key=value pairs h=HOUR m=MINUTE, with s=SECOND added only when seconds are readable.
h=5 m=52
